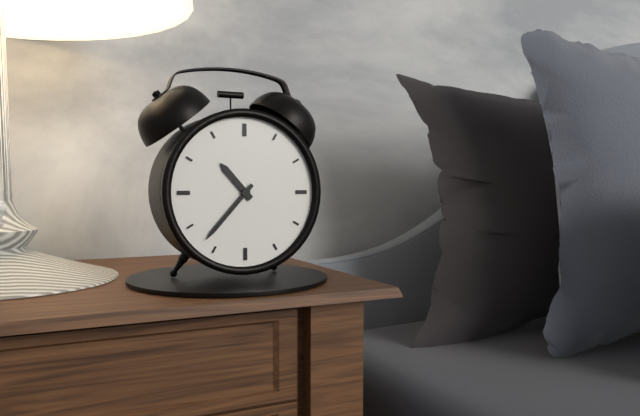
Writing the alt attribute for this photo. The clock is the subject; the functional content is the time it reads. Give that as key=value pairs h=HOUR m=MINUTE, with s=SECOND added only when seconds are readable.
h=10 m=37
